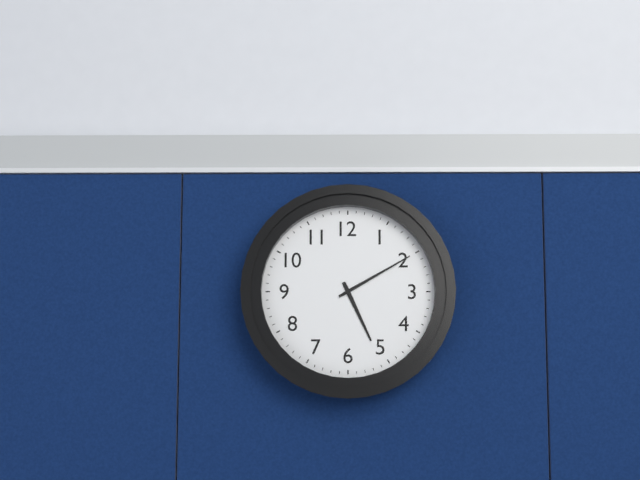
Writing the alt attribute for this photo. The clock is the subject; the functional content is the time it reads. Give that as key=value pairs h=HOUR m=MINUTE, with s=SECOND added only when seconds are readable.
h=5 m=10
